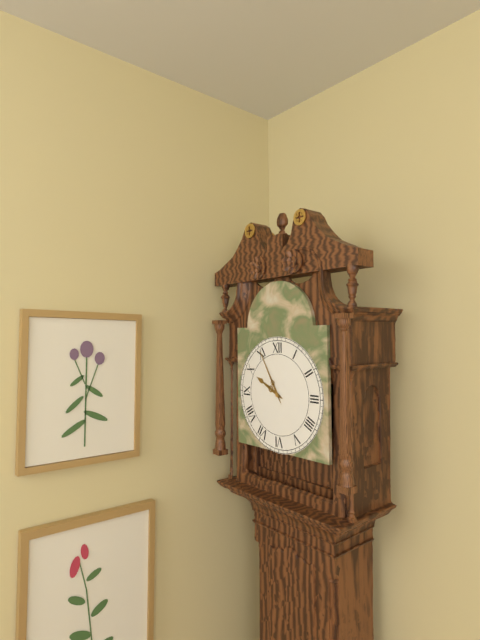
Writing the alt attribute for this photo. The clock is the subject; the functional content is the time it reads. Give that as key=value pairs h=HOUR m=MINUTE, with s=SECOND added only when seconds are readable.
h=9 m=55
